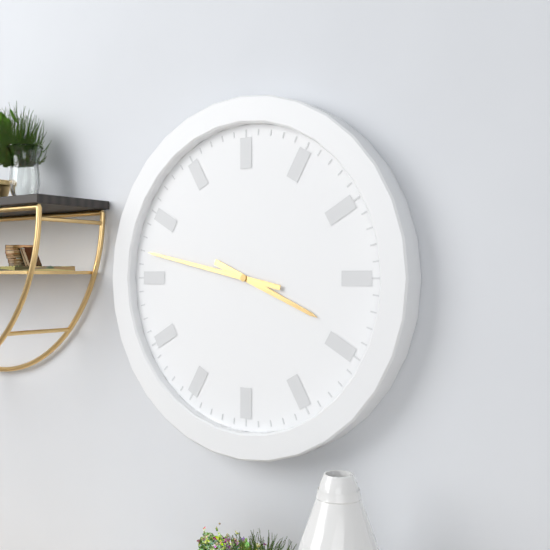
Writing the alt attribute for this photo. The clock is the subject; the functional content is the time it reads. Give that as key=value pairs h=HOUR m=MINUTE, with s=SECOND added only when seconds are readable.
h=3 m=47
